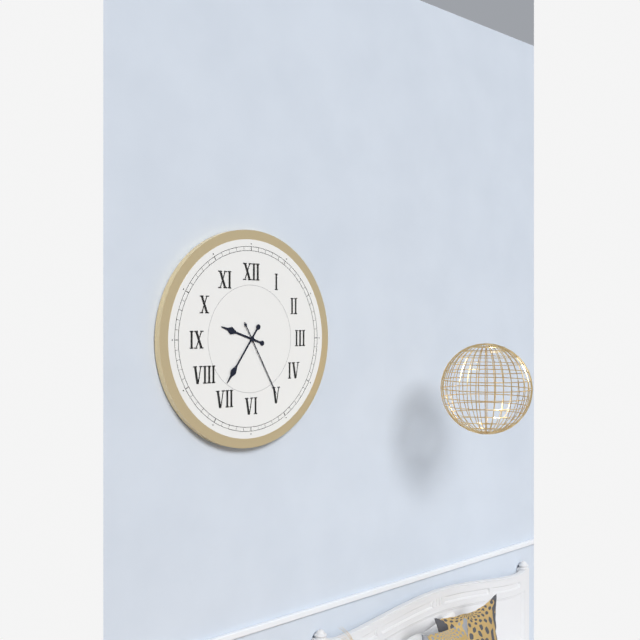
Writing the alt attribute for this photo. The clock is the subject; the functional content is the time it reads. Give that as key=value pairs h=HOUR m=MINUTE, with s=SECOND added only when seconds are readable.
h=9 m=36 s=25
